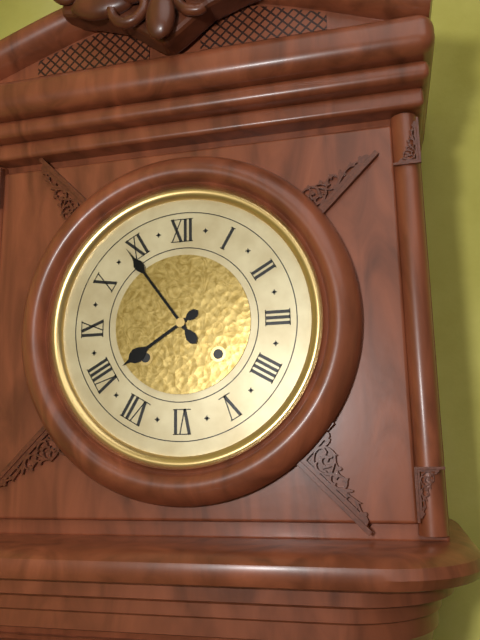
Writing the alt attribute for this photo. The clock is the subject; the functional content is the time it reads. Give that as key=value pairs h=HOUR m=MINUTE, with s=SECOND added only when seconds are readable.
h=7 m=54
